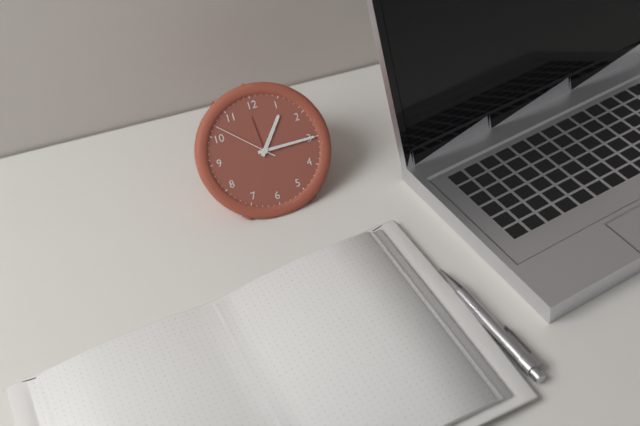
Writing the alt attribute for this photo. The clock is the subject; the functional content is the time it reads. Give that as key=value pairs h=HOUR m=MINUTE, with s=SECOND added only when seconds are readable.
h=1 m=15 s=52
